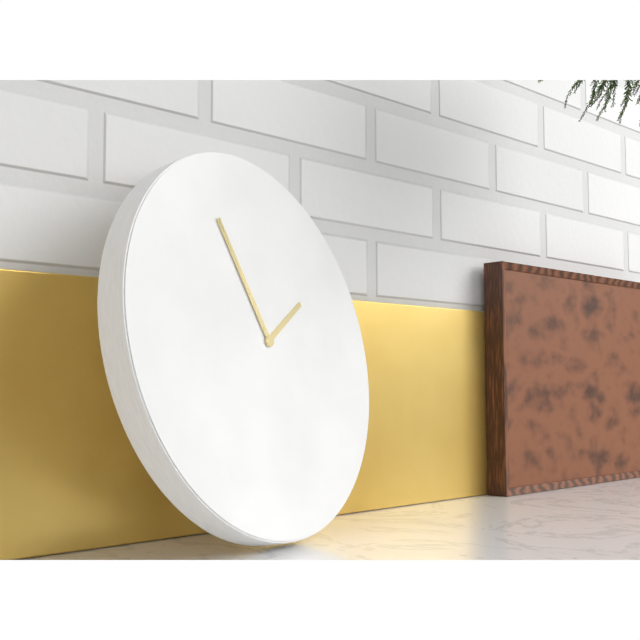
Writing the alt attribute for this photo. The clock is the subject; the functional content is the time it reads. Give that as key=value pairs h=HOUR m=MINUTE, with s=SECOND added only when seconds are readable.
h=1 m=56
